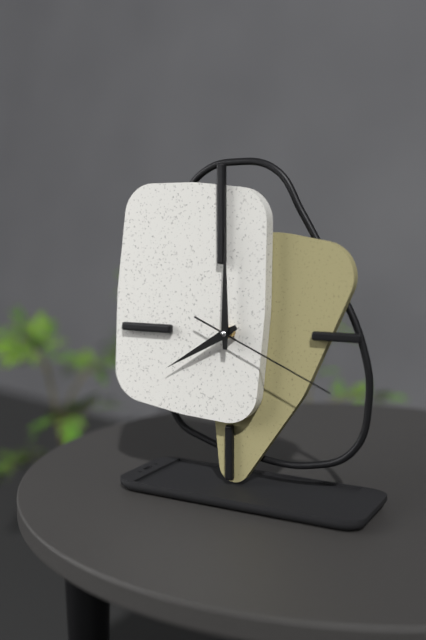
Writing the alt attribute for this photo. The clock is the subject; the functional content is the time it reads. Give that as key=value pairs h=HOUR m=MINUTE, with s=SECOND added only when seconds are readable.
h=8 m=0 s=19
